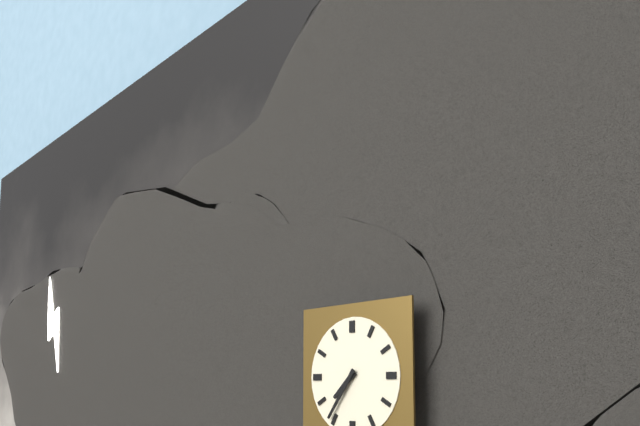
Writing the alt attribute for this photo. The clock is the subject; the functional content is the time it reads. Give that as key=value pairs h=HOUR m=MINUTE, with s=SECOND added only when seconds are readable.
h=7 m=36
